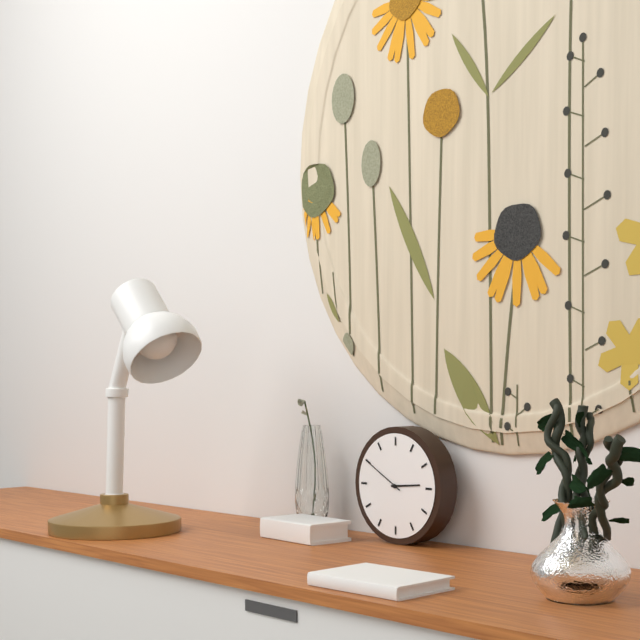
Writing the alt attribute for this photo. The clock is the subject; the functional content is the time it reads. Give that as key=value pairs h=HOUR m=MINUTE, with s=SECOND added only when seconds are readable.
h=2 m=50
